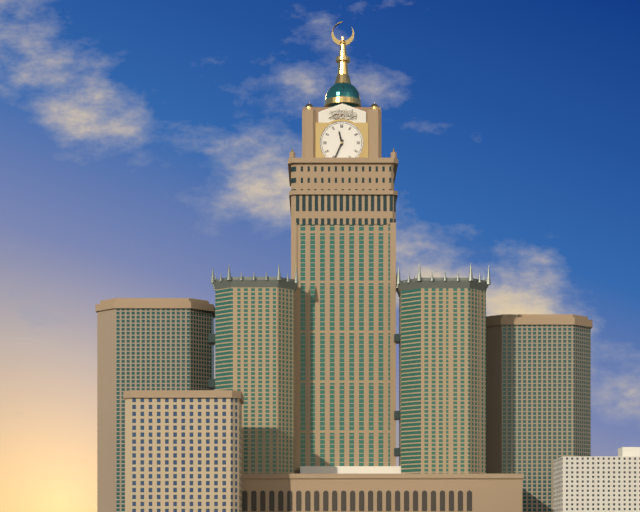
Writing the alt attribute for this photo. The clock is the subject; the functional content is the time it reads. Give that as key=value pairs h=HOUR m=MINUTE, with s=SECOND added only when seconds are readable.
h=11 m=34
